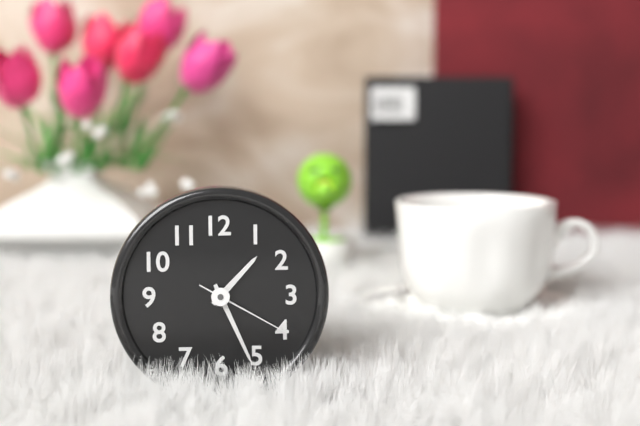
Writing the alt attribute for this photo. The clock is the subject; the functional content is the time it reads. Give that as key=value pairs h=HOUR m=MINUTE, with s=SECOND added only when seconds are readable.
h=1 m=26 s=20
